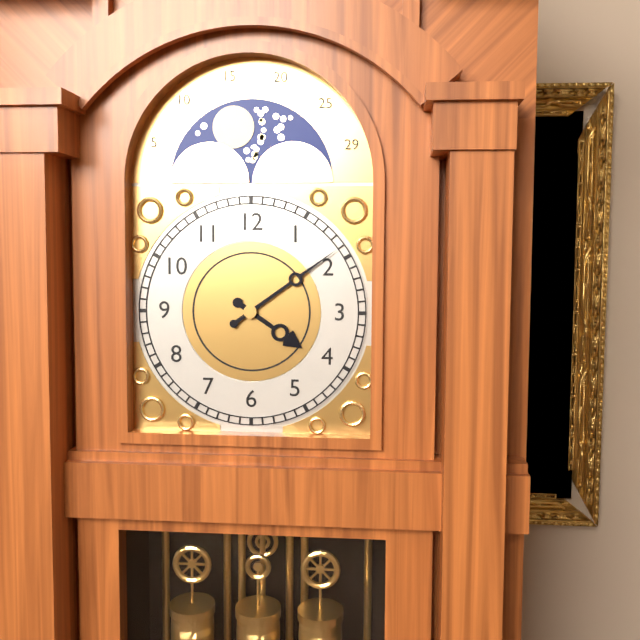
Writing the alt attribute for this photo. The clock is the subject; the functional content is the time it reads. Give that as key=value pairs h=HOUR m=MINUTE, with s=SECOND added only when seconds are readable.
h=4 m=9
